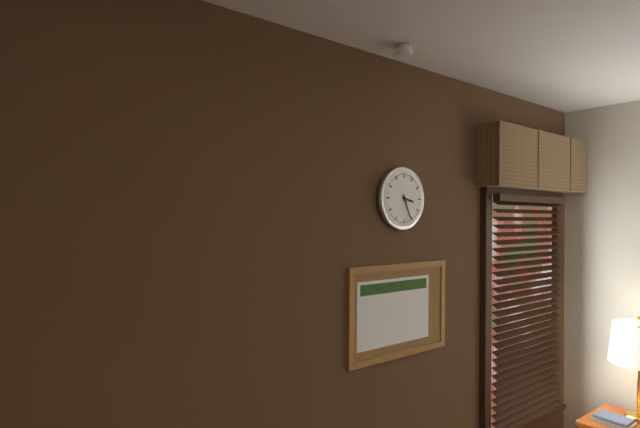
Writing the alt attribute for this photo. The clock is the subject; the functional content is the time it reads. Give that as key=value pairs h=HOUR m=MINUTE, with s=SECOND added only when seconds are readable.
h=3 m=26
